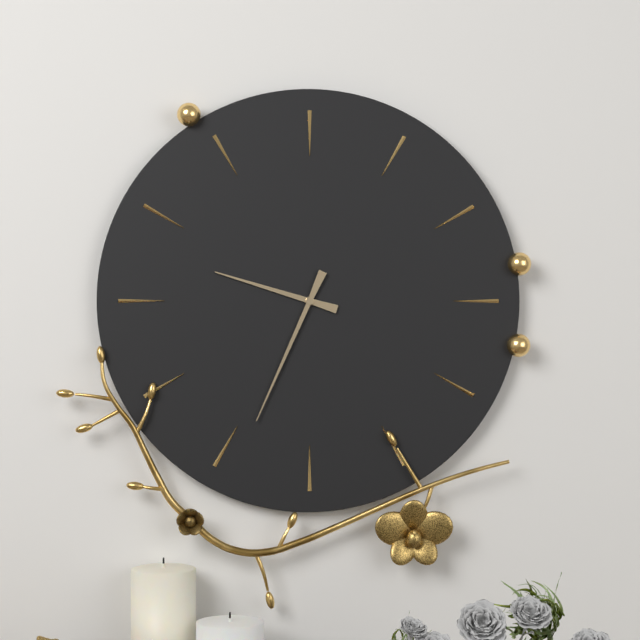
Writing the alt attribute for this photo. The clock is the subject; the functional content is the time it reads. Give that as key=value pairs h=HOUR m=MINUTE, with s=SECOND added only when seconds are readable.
h=9 m=34
